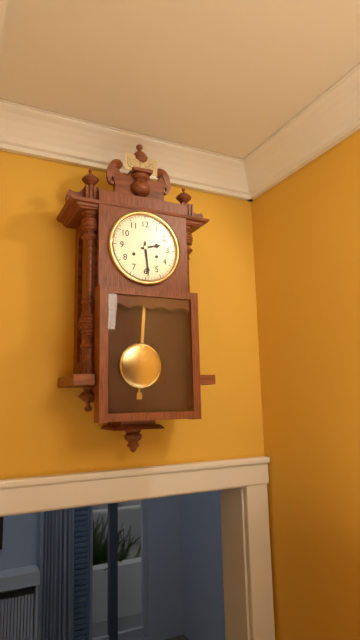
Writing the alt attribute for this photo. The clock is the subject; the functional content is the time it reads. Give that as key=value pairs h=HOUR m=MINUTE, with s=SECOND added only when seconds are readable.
h=2 m=29
